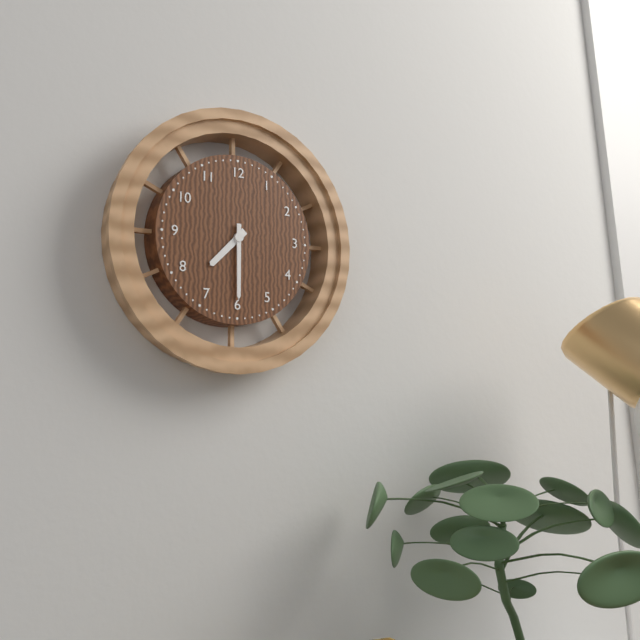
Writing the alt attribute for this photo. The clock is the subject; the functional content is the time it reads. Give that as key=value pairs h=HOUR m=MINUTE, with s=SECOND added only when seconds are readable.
h=7 m=30
